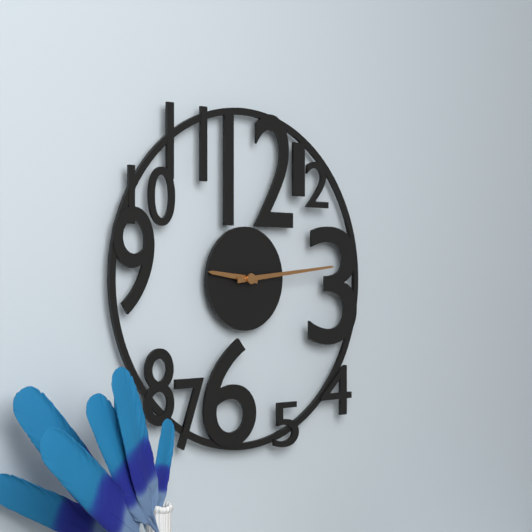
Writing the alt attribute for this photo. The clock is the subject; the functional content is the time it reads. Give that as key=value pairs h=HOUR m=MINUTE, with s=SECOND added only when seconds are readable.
h=9 m=14
